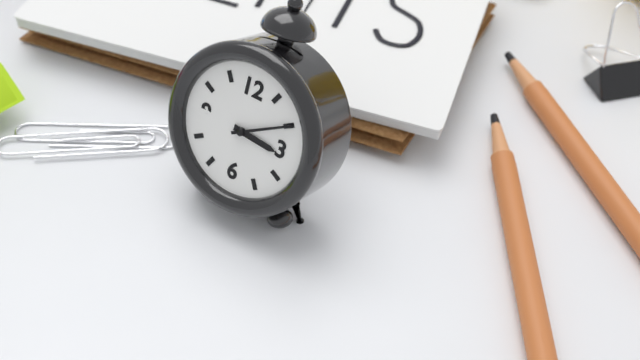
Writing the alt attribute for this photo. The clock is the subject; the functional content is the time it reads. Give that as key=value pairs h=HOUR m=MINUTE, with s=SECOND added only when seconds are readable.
h=3 m=10
